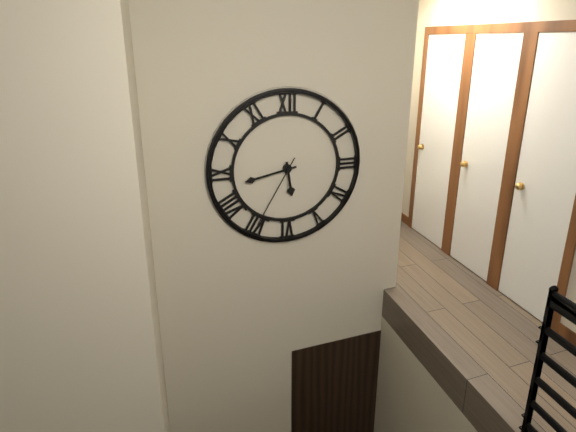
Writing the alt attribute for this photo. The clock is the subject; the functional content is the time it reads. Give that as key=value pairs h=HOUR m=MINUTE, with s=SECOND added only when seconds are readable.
h=5 m=43 s=35
